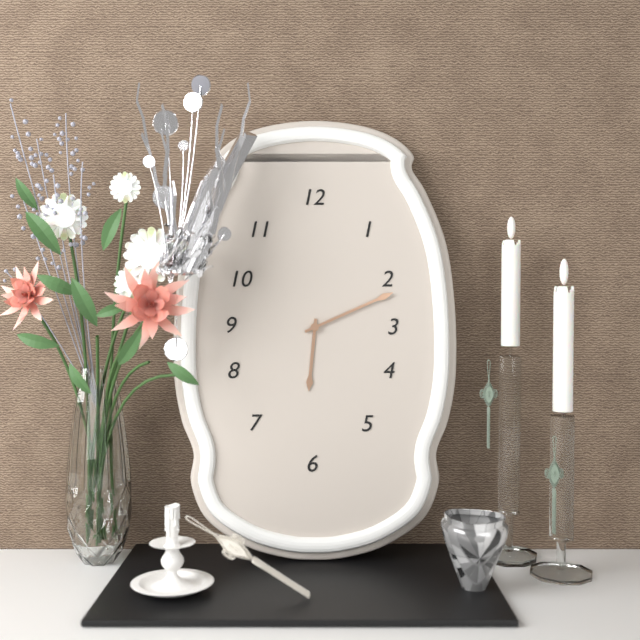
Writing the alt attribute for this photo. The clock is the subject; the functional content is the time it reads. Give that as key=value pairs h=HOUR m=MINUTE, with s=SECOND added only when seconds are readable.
h=6 m=11
